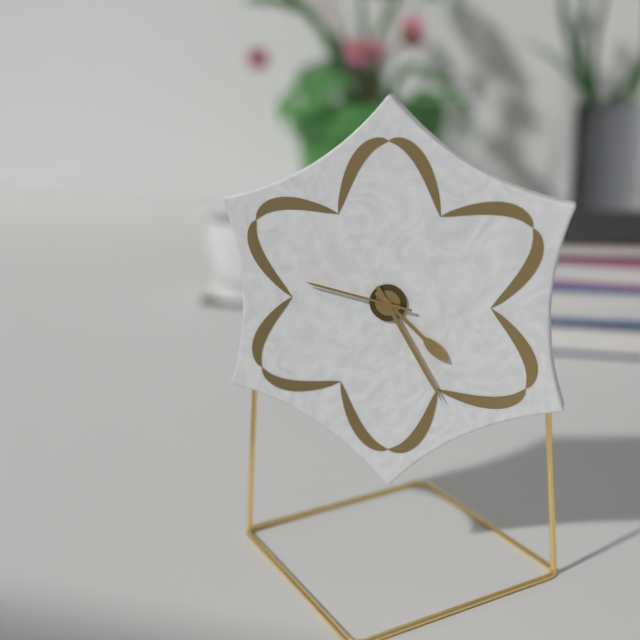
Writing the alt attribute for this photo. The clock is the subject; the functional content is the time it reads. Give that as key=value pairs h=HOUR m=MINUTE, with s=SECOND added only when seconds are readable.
h=4 m=25 s=47
